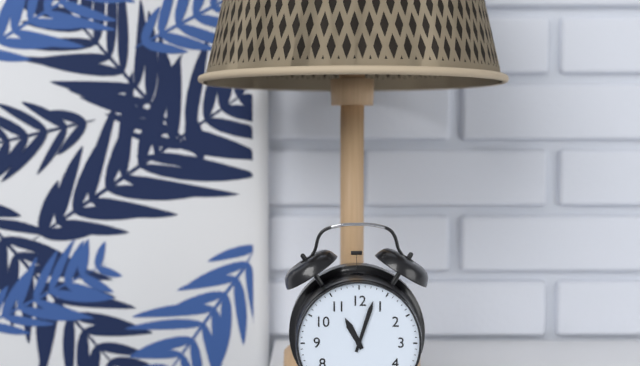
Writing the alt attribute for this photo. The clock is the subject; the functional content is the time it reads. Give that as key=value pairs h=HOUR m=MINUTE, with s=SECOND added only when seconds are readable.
h=11 m=3
